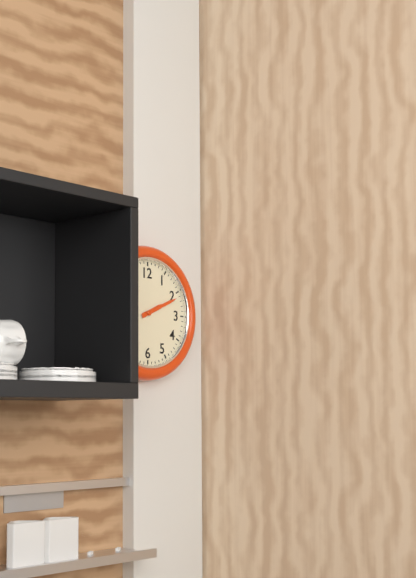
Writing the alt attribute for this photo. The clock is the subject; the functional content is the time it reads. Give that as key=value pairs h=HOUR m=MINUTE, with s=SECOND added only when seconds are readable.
h=2 m=11
